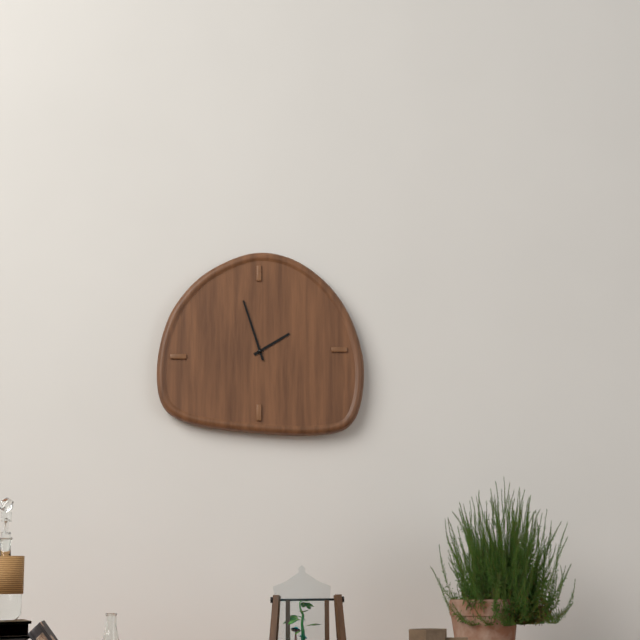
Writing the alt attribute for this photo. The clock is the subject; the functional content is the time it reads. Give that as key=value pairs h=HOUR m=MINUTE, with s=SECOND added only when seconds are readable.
h=1 m=57
